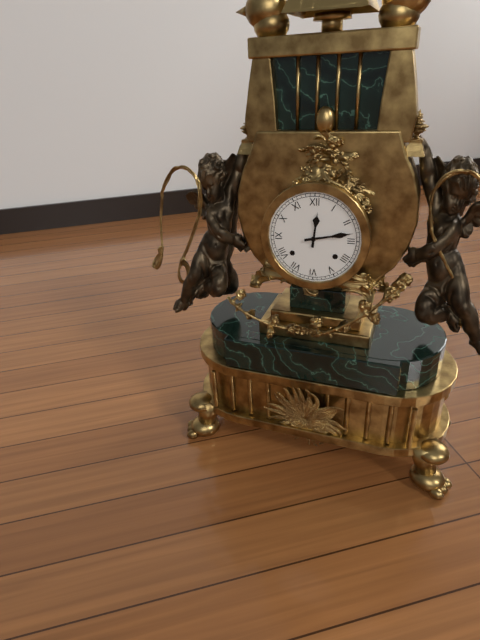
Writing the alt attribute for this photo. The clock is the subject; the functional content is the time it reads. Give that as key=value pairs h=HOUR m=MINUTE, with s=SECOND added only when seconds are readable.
h=12 m=13
